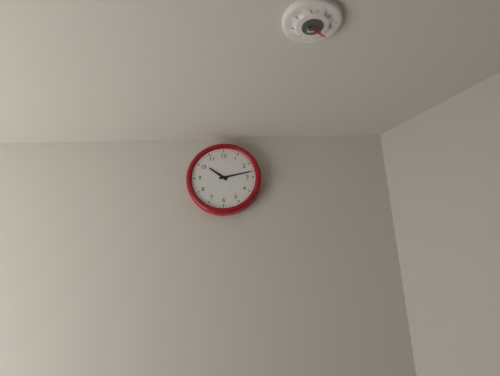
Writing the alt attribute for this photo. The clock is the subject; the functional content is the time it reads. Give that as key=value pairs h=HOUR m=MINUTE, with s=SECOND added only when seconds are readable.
h=10 m=13
